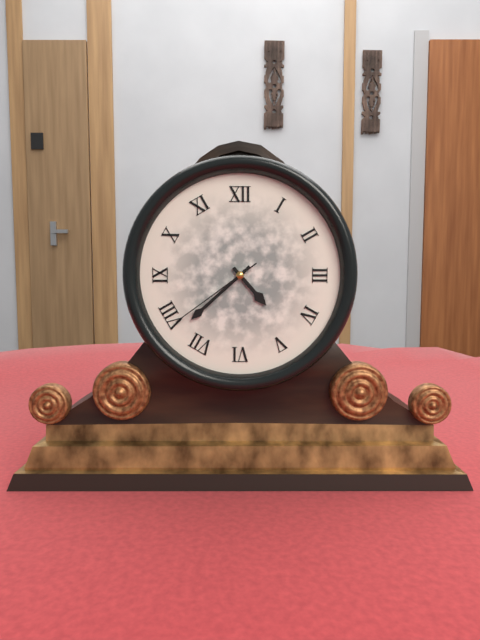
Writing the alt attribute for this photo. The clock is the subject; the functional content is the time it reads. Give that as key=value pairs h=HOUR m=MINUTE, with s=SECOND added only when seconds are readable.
h=4 m=38 s=39
